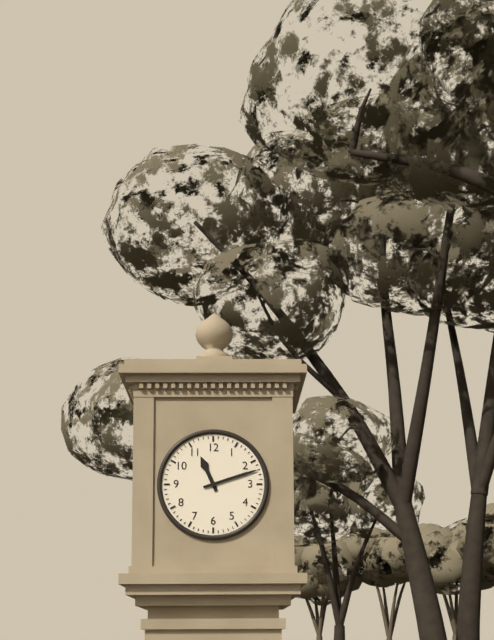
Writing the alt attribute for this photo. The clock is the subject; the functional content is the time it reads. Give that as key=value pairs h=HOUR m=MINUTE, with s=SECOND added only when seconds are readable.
h=11 m=12
